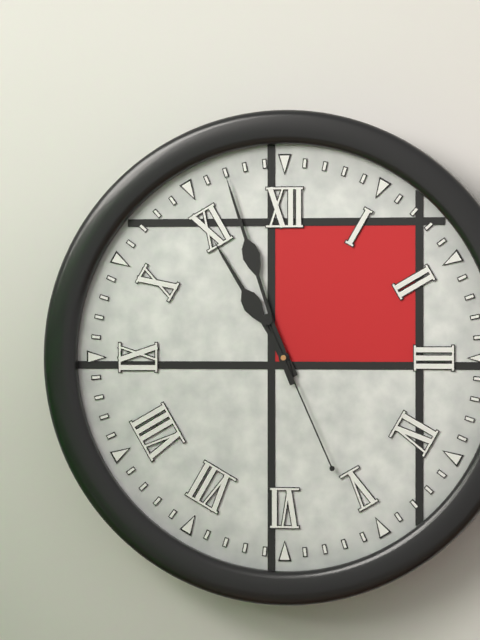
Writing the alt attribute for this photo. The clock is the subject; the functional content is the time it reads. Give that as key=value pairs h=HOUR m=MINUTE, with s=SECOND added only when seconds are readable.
h=10 m=57 s=26
